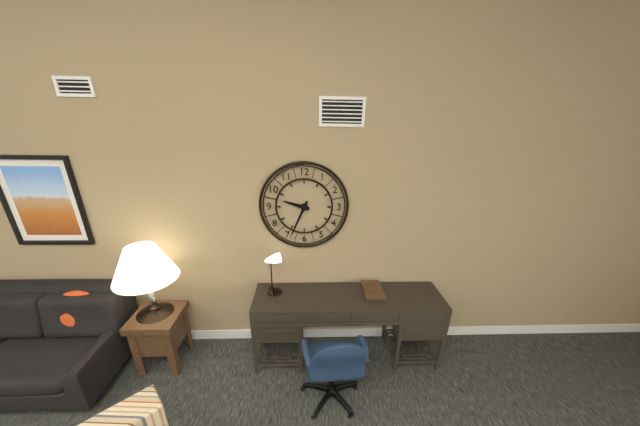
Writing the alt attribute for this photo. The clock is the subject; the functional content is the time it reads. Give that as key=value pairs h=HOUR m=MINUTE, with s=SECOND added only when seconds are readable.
h=9 m=34
